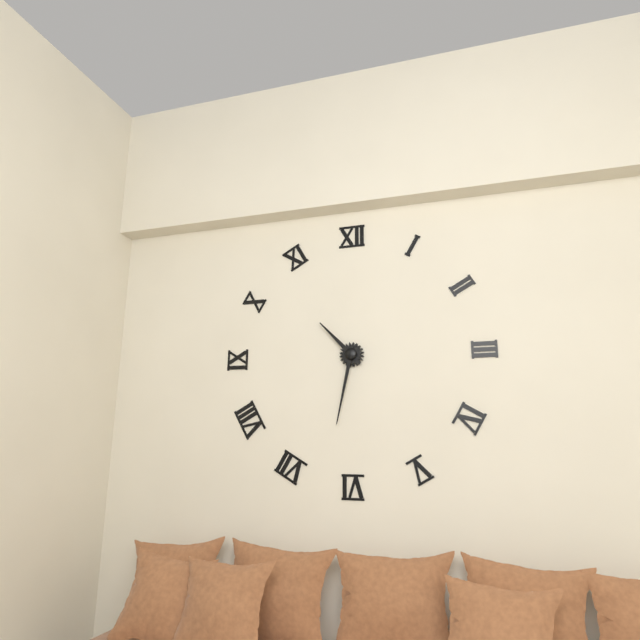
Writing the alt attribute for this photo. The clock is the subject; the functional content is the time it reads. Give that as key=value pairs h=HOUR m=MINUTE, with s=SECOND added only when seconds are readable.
h=10 m=32
